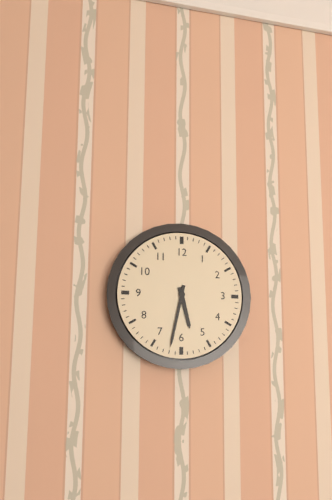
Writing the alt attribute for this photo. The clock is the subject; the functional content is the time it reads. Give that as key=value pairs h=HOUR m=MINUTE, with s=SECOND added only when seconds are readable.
h=5 m=32
